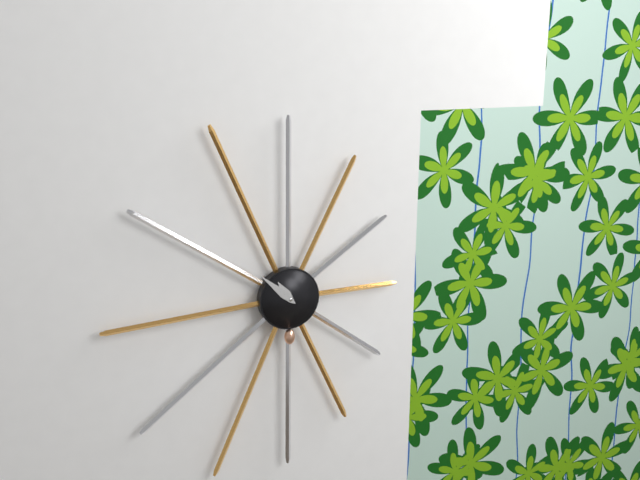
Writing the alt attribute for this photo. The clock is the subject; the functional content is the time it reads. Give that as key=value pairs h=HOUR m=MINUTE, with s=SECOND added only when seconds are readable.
h=10 m=52
